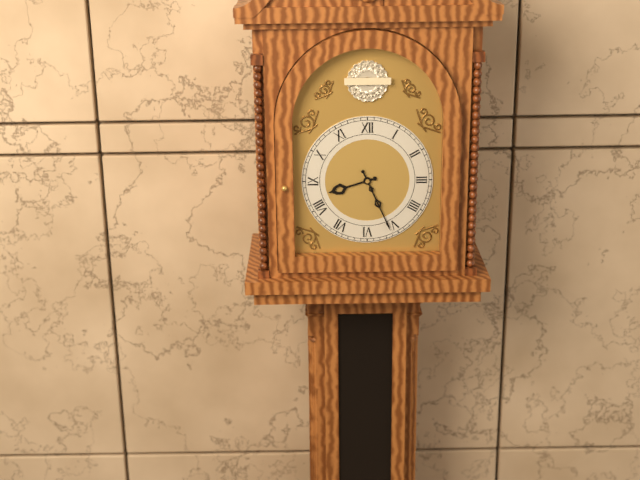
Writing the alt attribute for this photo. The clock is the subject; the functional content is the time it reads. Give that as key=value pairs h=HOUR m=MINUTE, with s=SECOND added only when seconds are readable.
h=8 m=26
